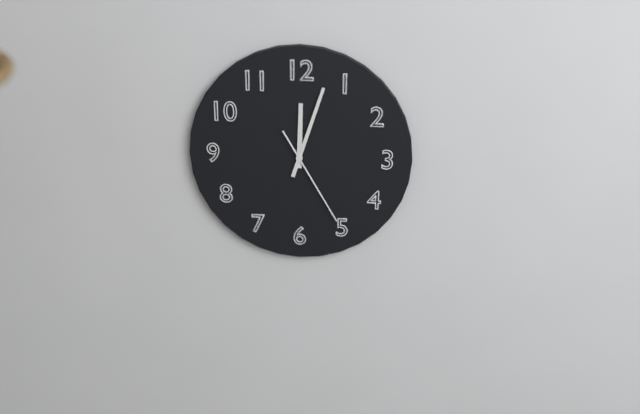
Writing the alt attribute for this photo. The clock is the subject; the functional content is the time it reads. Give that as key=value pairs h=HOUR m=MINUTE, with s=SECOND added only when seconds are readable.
h=12 m=3 s=25
